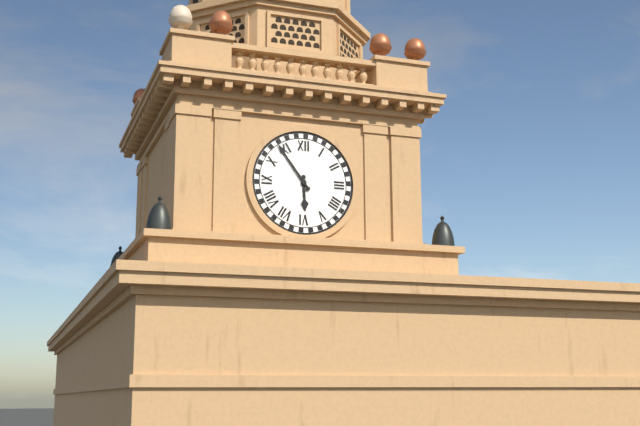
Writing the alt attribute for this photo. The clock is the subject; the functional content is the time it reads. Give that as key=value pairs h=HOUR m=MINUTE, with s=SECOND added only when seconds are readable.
h=5 m=54
